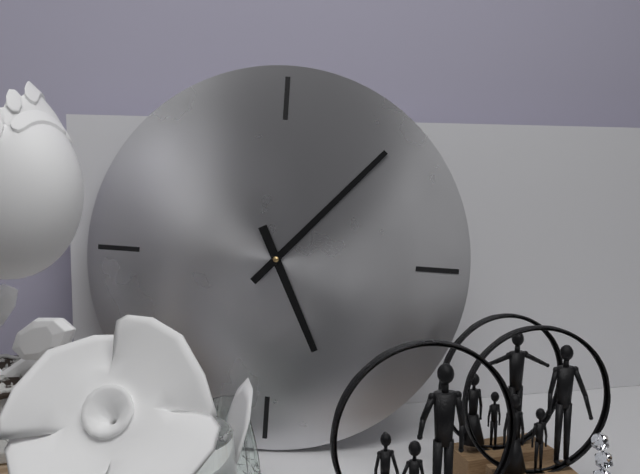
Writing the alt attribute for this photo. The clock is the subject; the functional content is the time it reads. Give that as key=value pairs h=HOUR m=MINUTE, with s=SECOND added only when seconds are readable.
h=5 m=7
